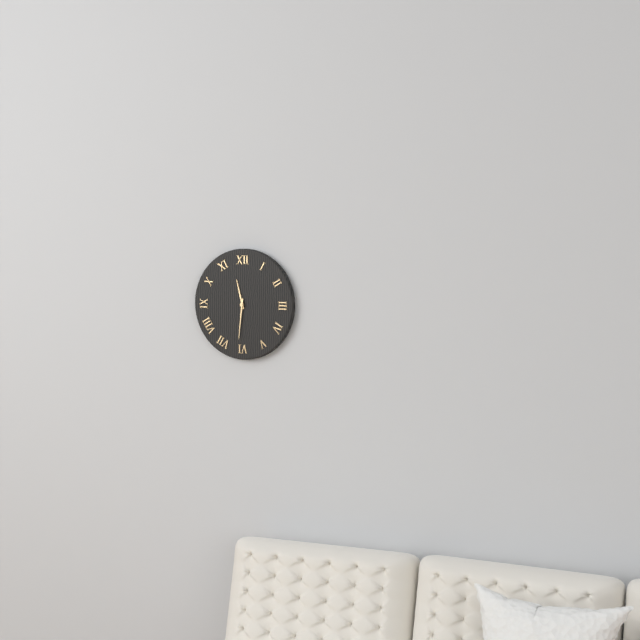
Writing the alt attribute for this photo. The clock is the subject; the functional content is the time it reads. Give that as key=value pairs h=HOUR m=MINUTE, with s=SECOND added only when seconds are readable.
h=11 m=31
